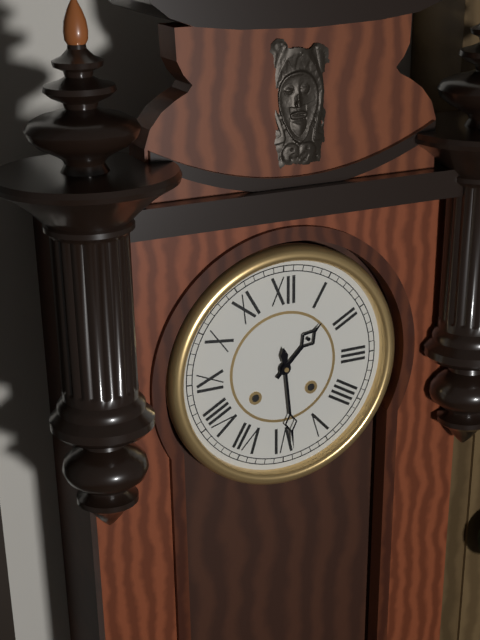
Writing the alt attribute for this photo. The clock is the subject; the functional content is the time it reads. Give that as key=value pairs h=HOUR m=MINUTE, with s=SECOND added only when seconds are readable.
h=1 m=29
